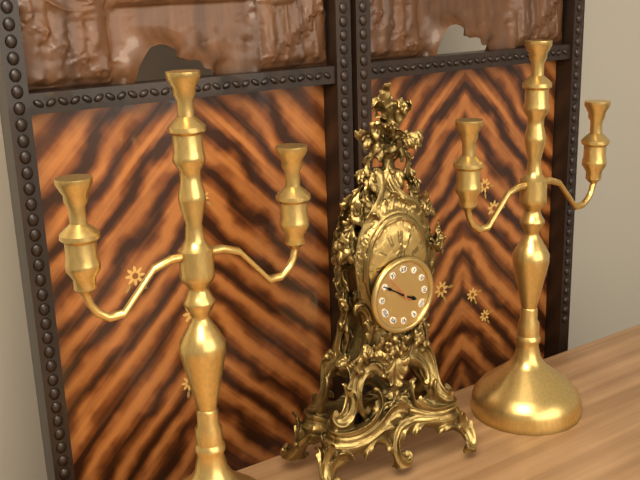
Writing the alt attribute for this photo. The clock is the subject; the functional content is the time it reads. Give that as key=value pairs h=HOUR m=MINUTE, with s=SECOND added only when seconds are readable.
h=3 m=50
